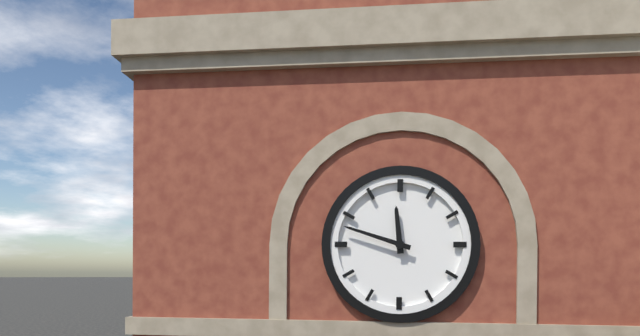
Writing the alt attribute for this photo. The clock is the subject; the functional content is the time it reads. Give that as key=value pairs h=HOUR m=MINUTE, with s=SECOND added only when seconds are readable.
h=11 m=48
